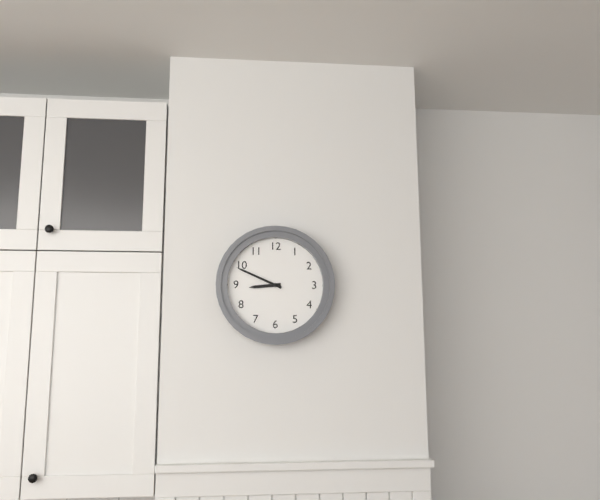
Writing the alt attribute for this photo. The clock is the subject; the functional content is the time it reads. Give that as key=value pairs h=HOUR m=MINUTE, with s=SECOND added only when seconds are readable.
h=8 m=49
